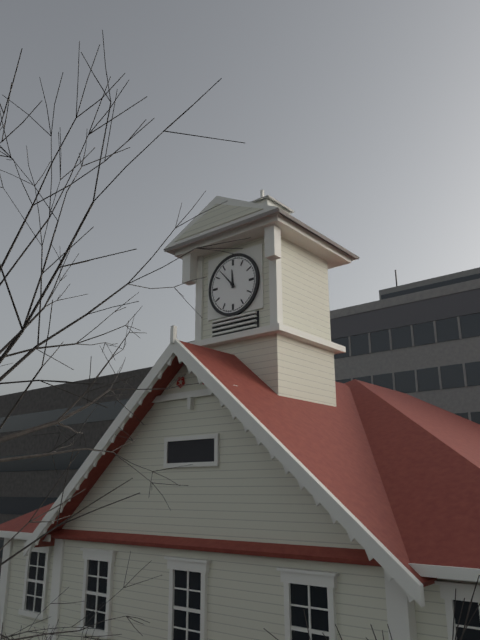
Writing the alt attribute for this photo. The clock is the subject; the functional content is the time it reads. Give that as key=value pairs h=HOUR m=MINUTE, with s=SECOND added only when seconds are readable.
h=11 m=53
